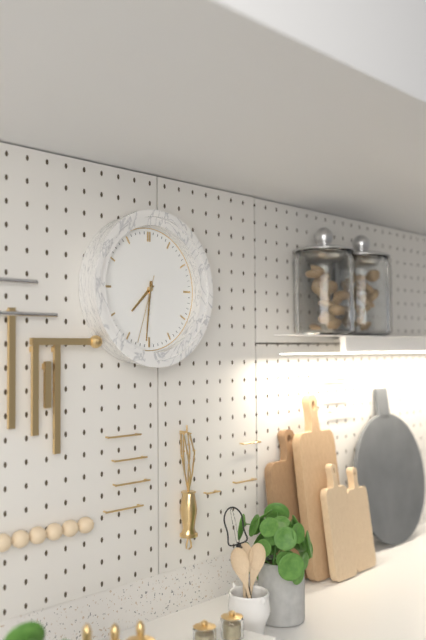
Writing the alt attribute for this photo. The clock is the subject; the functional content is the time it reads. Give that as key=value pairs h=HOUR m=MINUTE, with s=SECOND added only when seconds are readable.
h=7 m=31 s=33
